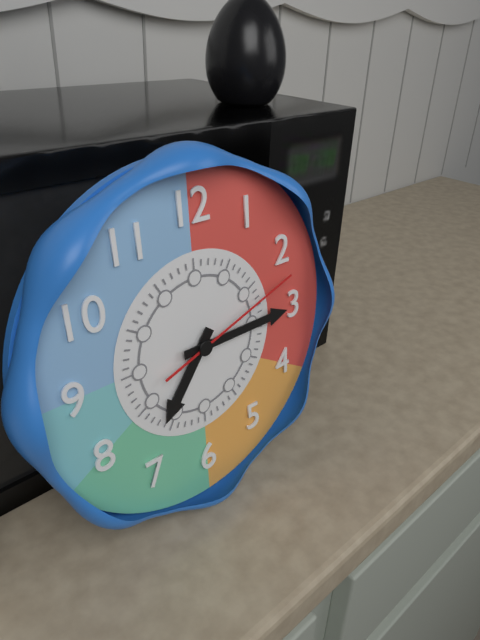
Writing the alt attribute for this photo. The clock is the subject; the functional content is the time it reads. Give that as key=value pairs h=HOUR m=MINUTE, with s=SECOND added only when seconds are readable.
h=7 m=15 s=12
